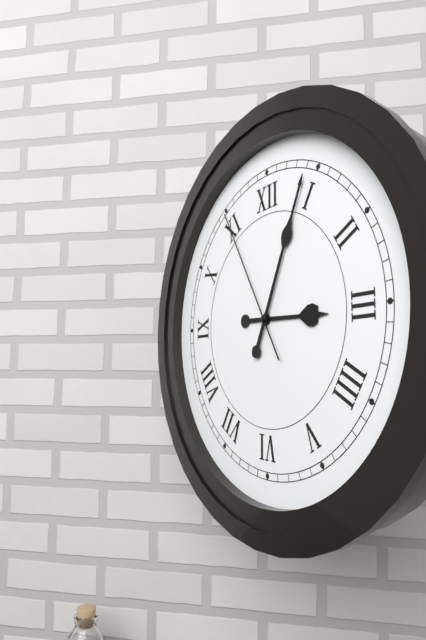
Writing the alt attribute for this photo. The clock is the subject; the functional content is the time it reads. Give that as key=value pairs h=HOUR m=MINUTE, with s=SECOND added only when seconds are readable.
h=3 m=4 s=55
